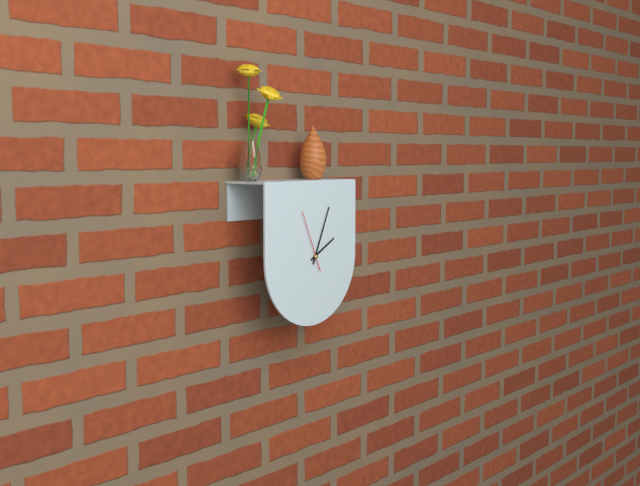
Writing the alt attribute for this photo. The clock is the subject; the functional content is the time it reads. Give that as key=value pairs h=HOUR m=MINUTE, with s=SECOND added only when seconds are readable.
h=2 m=4 s=56
